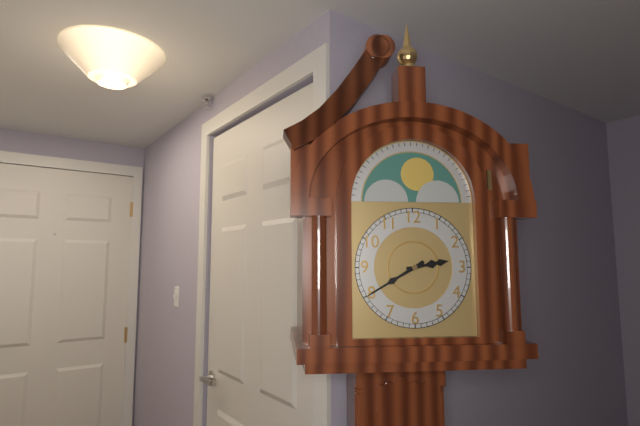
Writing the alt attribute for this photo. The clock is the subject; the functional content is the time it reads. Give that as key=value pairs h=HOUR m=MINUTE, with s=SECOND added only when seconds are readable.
h=2 m=40
